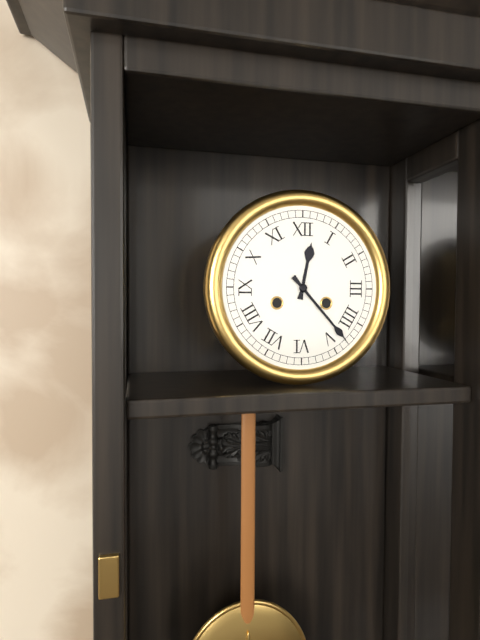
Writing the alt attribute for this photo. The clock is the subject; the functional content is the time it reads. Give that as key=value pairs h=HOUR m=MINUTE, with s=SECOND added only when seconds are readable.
h=12 m=23
